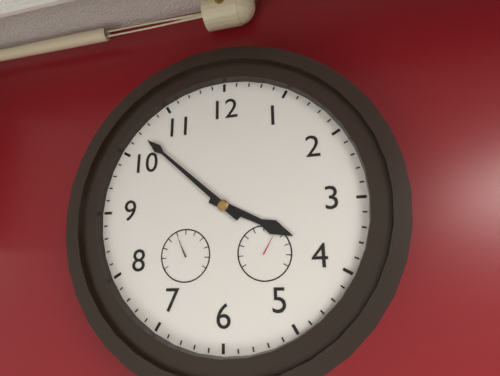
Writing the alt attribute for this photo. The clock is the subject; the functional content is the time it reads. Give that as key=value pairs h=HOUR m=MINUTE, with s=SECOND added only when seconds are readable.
h=3 m=52
